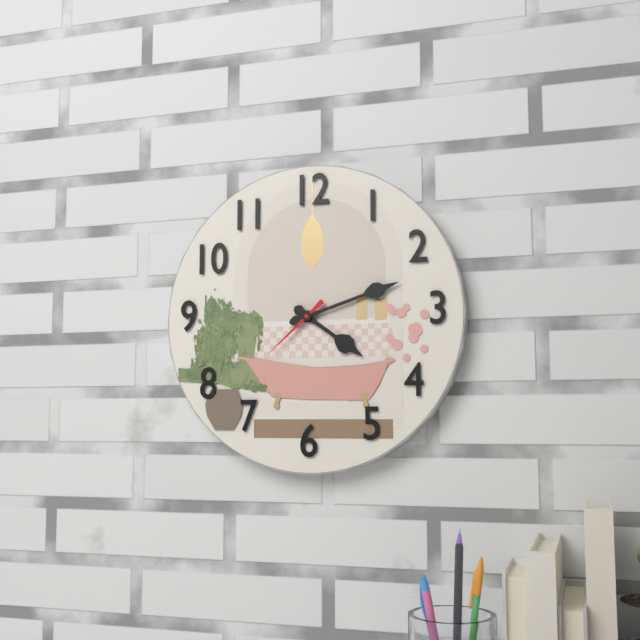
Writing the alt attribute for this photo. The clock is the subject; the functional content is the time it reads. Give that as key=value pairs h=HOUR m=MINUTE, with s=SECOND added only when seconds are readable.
h=4 m=12 s=38
